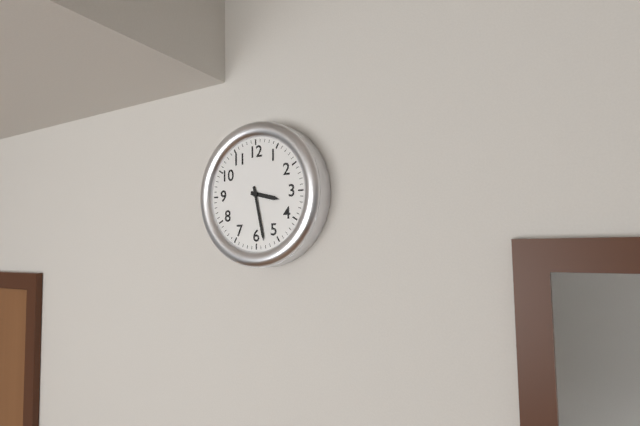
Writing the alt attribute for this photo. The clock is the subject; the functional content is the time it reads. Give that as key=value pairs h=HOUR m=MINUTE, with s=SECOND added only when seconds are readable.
h=3 m=28
